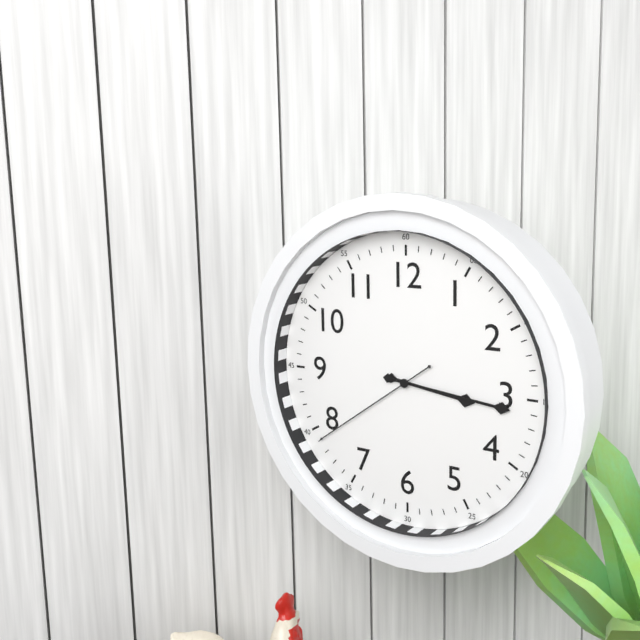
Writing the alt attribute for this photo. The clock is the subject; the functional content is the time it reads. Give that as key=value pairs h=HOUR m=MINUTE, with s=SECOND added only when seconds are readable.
h=3 m=16 s=39
